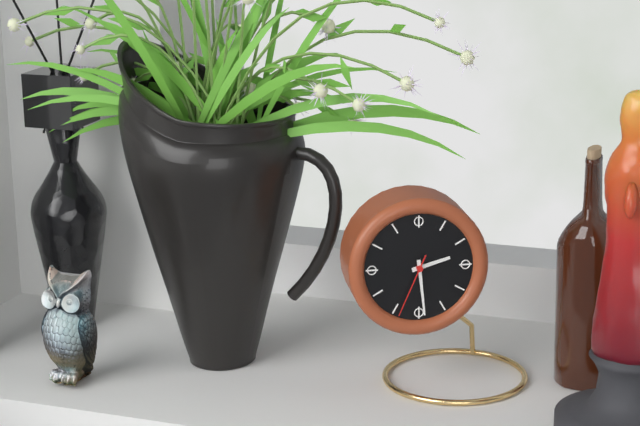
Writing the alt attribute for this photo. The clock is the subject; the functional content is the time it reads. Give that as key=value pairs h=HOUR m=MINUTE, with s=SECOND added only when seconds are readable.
h=2 m=29 s=34
